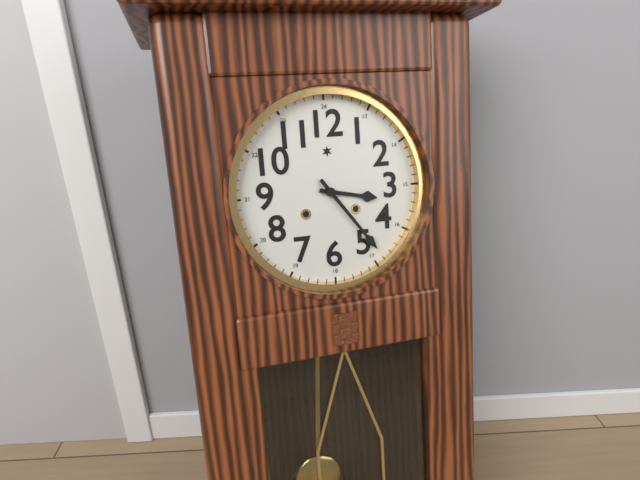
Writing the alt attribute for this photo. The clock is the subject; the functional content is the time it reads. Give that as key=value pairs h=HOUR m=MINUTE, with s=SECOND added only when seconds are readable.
h=3 m=24
